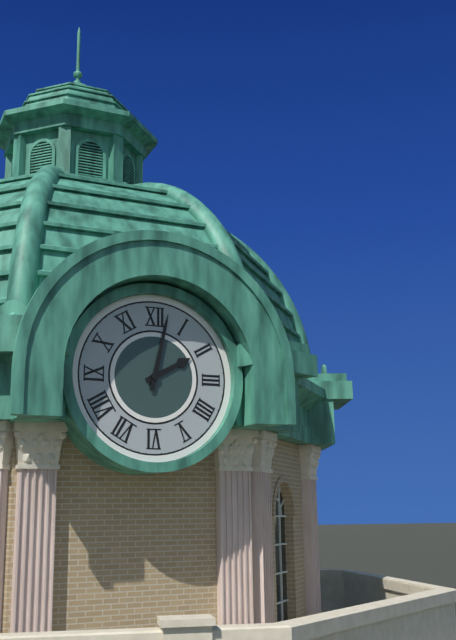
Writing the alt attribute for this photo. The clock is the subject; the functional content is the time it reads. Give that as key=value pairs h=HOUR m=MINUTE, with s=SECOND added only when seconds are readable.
h=2 m=2
